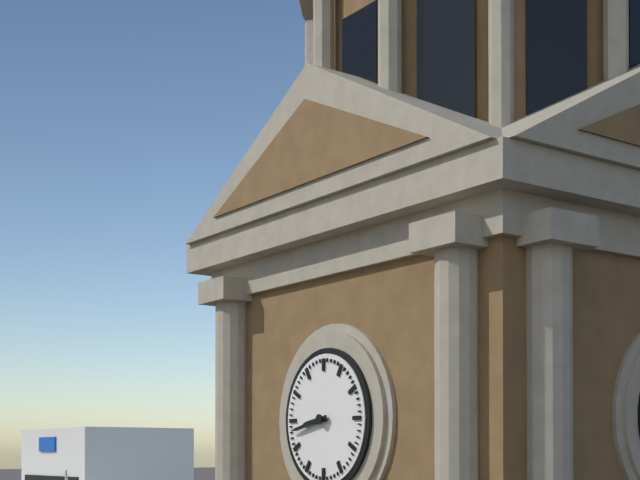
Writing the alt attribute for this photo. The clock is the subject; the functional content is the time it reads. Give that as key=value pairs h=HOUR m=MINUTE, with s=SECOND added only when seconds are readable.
h=8 m=43
